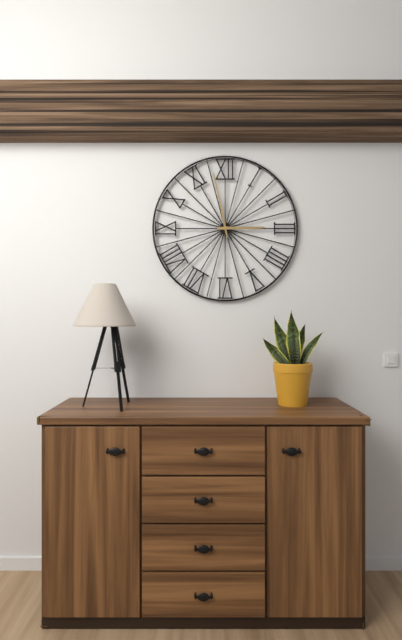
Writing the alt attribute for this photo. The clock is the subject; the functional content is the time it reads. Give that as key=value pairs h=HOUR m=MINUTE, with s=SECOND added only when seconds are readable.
h=2 m=58
